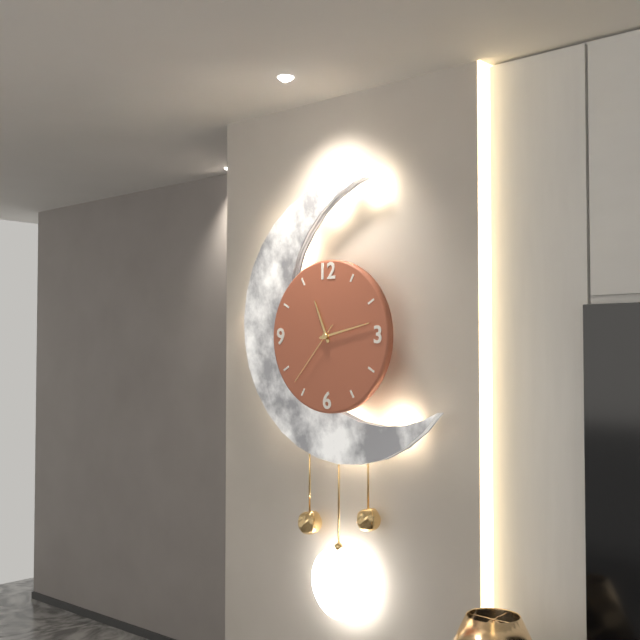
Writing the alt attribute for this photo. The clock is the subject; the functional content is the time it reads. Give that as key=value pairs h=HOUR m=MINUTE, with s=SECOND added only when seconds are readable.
h=11 m=13 s=37
